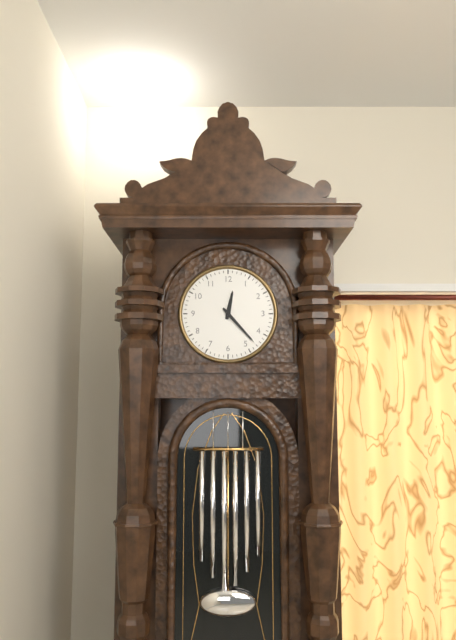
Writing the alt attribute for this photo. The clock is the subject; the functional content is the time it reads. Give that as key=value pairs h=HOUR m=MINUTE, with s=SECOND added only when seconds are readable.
h=12 m=23
